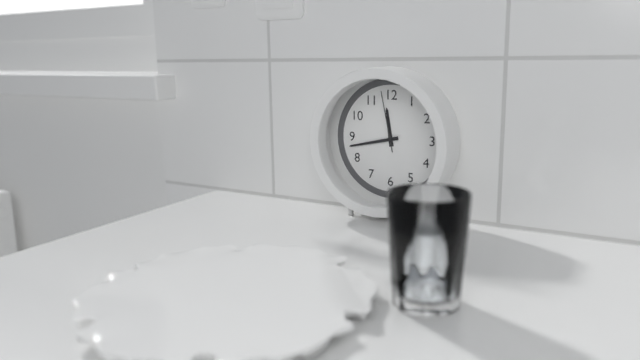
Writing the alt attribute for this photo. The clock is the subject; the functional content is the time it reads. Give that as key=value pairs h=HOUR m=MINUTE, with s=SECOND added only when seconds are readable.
h=11 m=43 s=58
